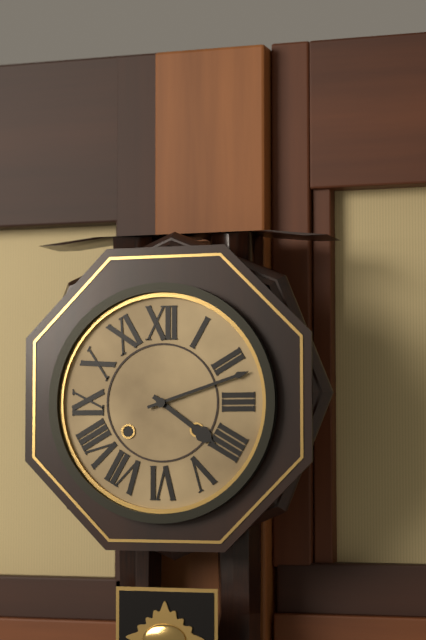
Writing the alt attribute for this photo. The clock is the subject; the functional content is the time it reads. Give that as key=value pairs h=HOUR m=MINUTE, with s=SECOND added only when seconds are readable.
h=4 m=12
